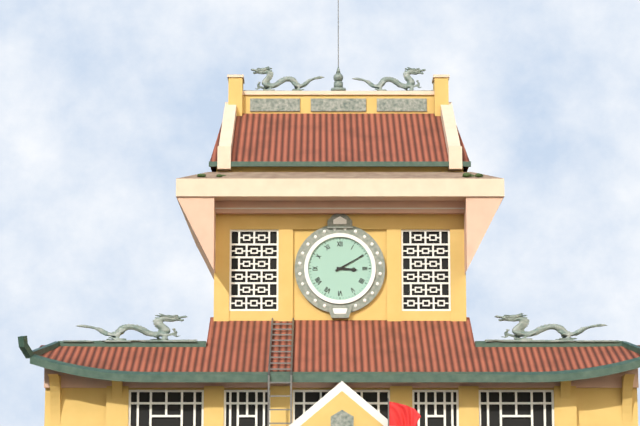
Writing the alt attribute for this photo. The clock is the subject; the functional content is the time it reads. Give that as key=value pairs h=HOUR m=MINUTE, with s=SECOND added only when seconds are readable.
h=3 m=10
